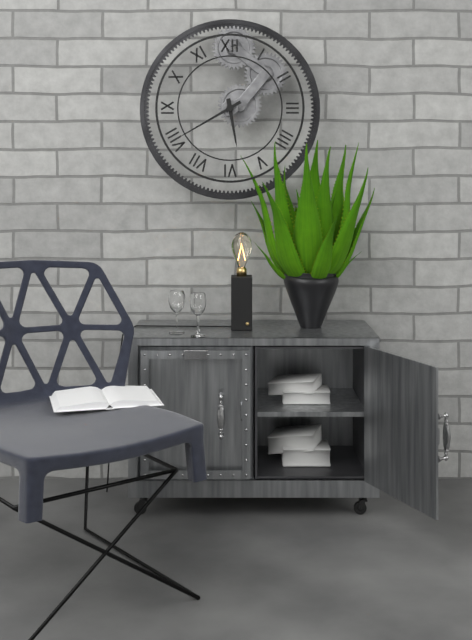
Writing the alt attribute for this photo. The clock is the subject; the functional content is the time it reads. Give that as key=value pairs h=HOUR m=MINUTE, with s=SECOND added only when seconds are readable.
h=5 m=40
